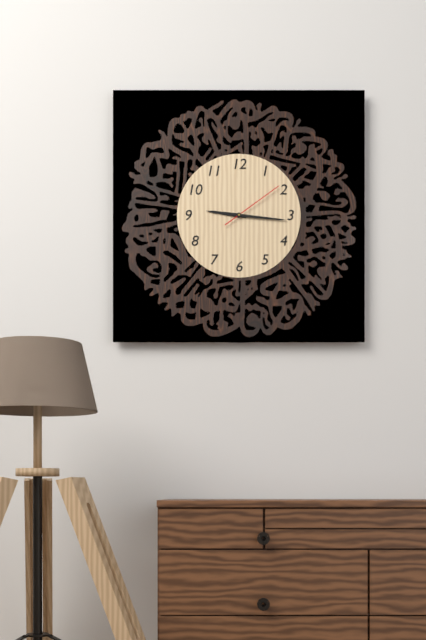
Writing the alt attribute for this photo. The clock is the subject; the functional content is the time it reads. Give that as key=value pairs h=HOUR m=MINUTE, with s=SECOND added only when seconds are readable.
h=9 m=16 s=9
